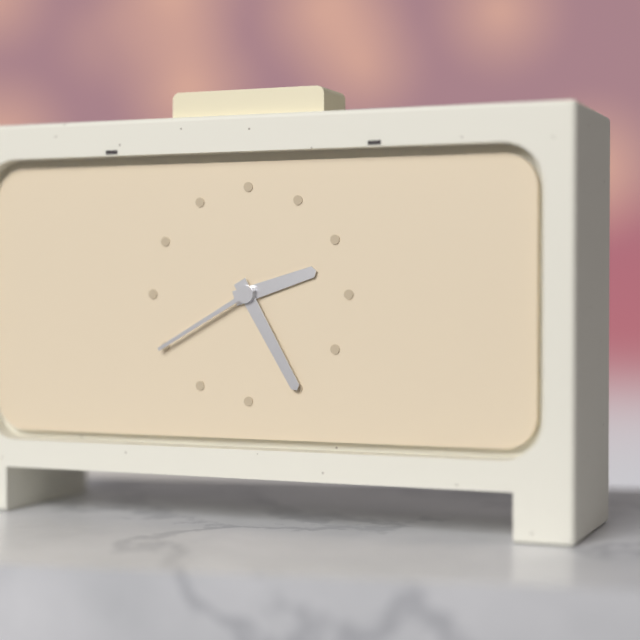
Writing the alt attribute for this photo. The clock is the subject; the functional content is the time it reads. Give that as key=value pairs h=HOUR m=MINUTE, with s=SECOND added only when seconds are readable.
h=2 m=25 s=40
